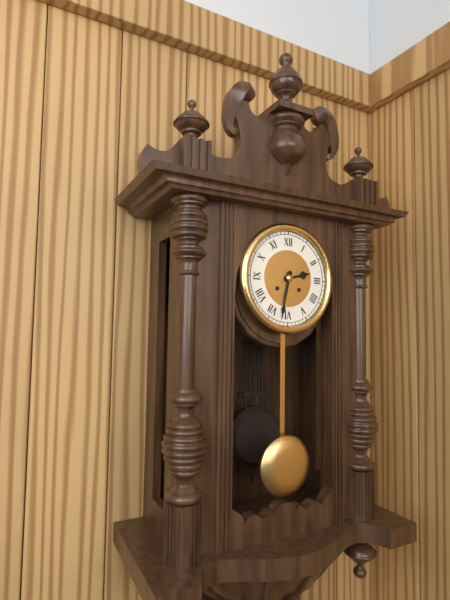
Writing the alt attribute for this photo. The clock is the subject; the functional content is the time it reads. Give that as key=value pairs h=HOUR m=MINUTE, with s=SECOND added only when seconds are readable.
h=2 m=32
